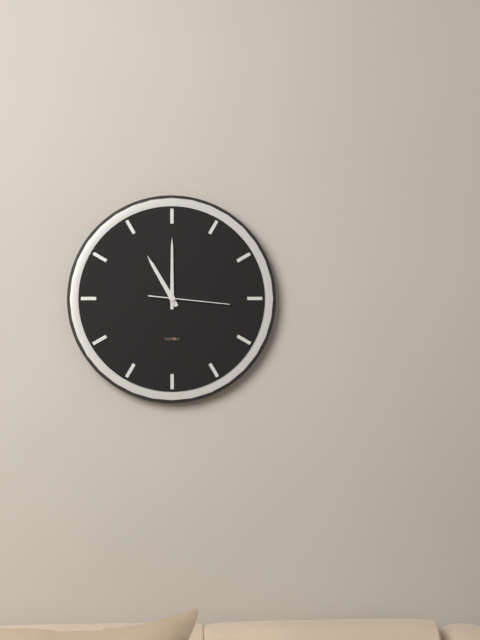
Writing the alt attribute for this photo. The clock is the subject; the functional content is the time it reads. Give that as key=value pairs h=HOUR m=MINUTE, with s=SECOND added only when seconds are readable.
h=11 m=0 s=16
